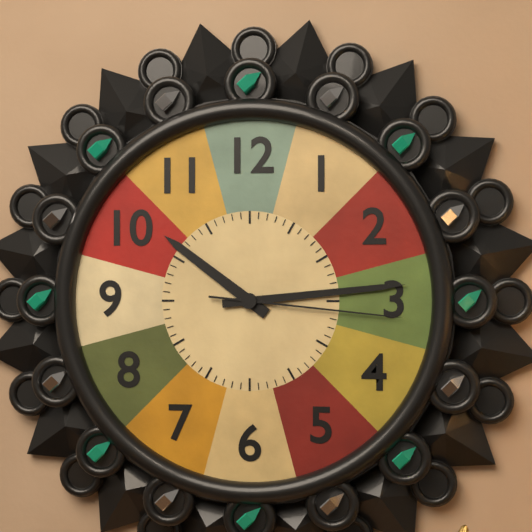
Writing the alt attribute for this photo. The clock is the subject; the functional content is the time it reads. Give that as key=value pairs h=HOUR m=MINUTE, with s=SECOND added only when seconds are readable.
h=10 m=14 s=16
